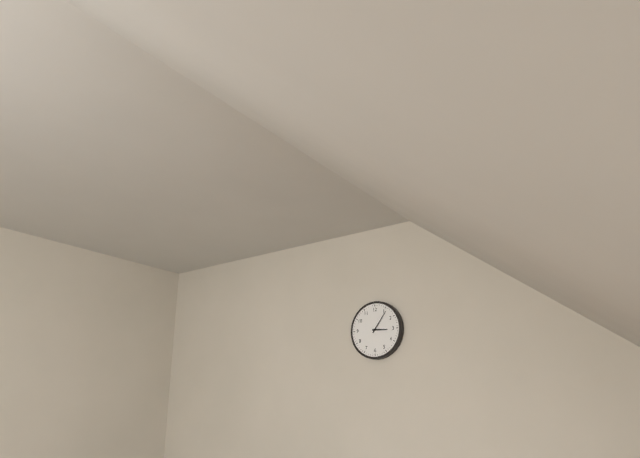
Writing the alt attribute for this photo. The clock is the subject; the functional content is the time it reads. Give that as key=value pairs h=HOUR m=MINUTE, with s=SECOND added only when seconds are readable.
h=3 m=6
